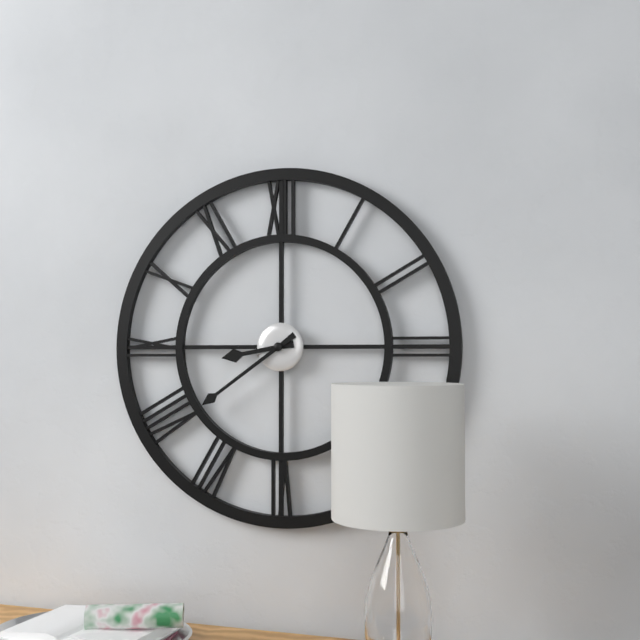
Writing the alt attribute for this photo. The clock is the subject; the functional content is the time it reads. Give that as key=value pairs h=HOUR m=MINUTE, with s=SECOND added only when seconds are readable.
h=8 m=39
